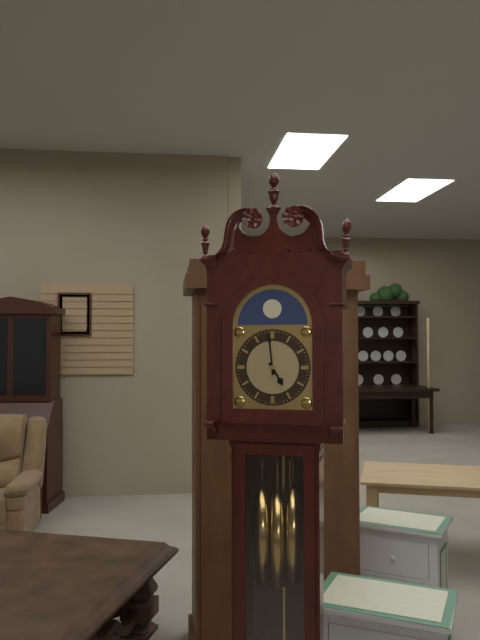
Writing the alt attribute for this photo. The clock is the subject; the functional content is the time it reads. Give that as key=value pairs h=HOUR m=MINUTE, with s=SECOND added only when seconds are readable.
h=4 m=59
